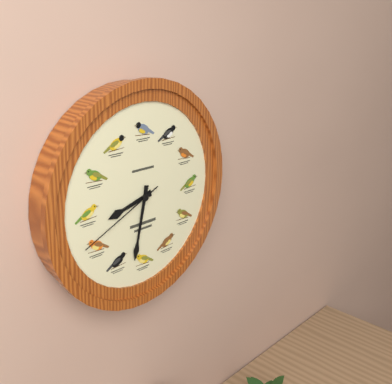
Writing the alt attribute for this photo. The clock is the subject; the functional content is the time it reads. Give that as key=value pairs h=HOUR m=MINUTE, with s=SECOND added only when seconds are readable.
h=8 m=32 s=41
